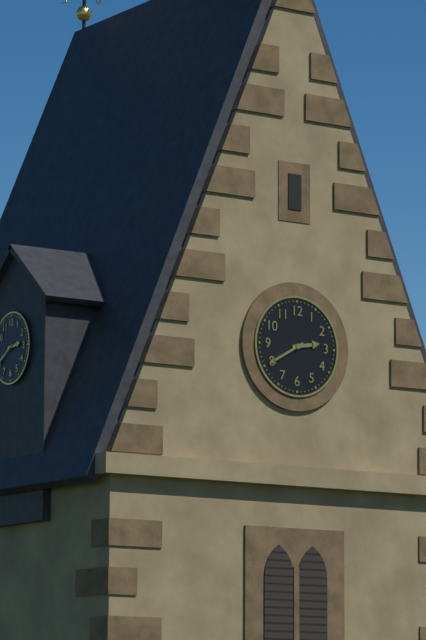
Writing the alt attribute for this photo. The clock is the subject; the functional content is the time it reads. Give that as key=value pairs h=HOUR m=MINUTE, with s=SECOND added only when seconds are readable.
h=2 m=40
